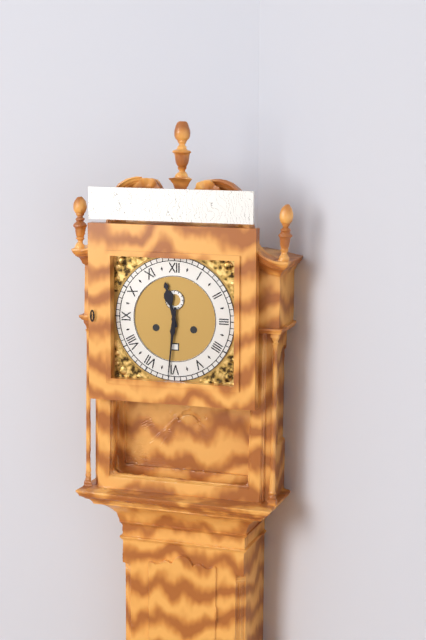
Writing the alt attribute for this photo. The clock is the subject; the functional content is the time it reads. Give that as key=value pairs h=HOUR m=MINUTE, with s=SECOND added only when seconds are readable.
h=11 m=31
